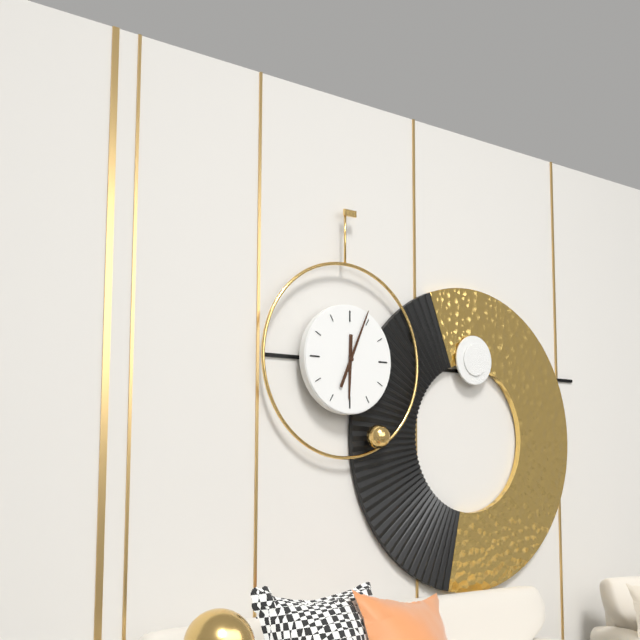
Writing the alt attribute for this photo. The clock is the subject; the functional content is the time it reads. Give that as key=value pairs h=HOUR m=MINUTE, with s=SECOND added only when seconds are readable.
h=6 m=4
